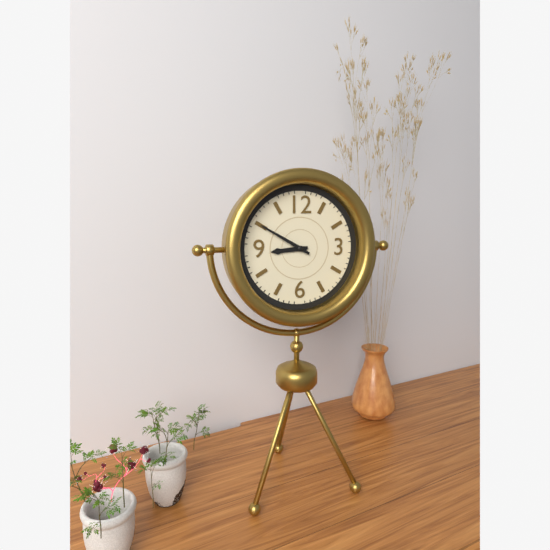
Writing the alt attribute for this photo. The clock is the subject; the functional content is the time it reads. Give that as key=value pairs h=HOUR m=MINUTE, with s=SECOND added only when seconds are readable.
h=8 m=50
